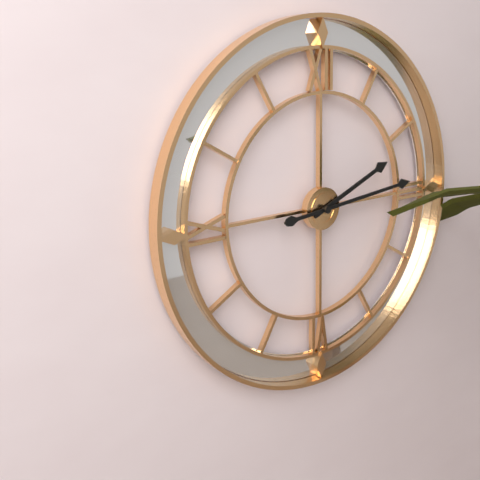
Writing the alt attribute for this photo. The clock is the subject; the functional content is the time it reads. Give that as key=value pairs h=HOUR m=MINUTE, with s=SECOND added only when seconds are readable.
h=2 m=14
